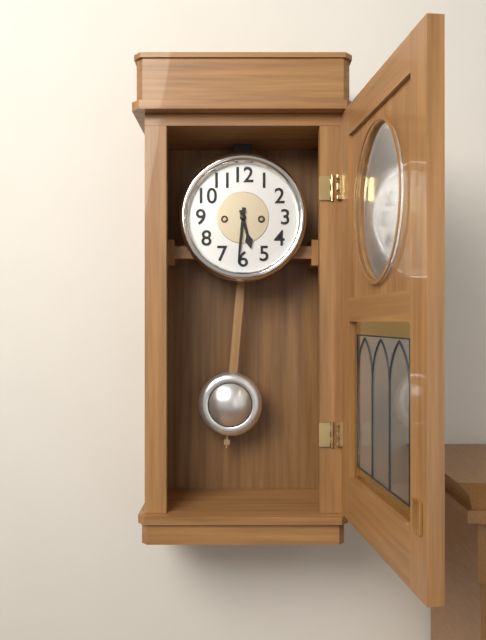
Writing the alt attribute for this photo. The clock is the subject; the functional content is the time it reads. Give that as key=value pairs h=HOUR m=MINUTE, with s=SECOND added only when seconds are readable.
h=5 m=31
